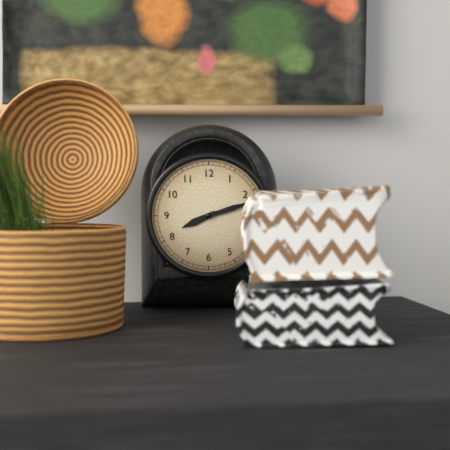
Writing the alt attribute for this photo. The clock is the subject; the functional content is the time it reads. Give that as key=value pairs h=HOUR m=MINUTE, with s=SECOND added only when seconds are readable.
h=8 m=12
